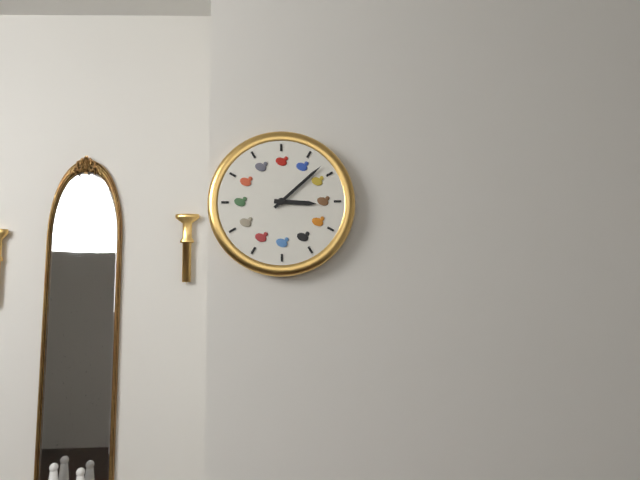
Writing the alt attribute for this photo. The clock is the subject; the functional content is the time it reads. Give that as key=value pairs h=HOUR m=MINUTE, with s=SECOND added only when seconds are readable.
h=3 m=8
